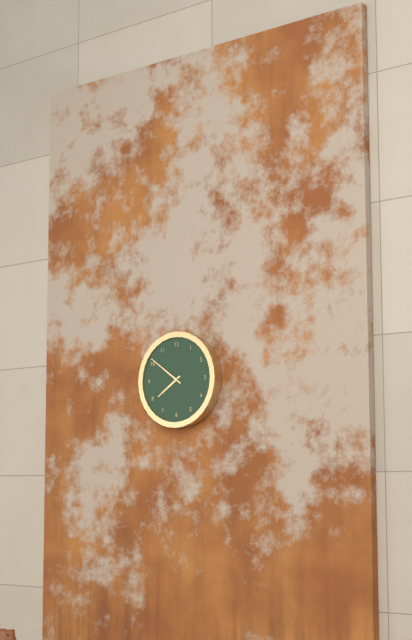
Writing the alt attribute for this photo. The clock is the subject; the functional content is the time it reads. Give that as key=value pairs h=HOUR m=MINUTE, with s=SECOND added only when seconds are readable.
h=7 m=51
